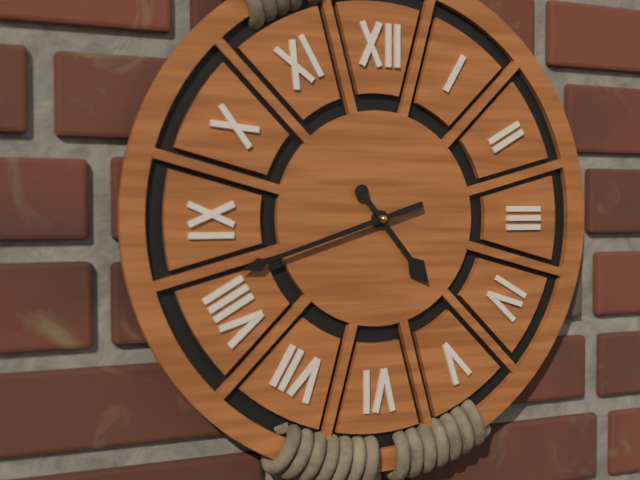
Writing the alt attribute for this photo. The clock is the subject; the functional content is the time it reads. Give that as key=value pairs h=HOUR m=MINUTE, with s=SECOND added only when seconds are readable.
h=4 m=42
